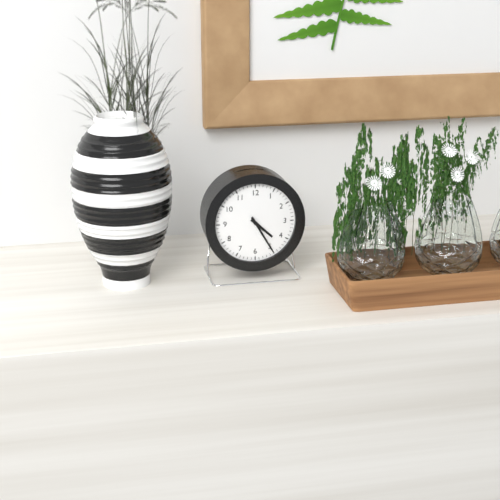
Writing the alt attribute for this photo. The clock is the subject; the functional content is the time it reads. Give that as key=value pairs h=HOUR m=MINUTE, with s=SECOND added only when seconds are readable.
h=4 m=25
